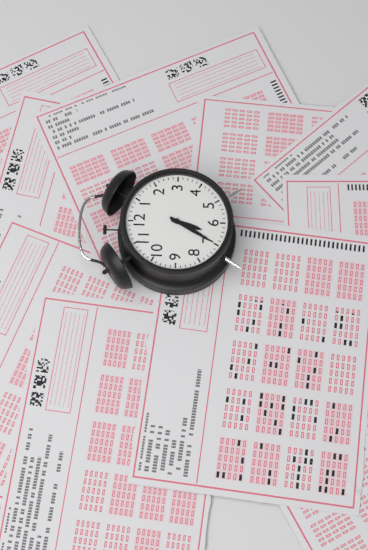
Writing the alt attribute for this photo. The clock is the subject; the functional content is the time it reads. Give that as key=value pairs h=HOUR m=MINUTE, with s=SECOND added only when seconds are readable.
h=6 m=35
